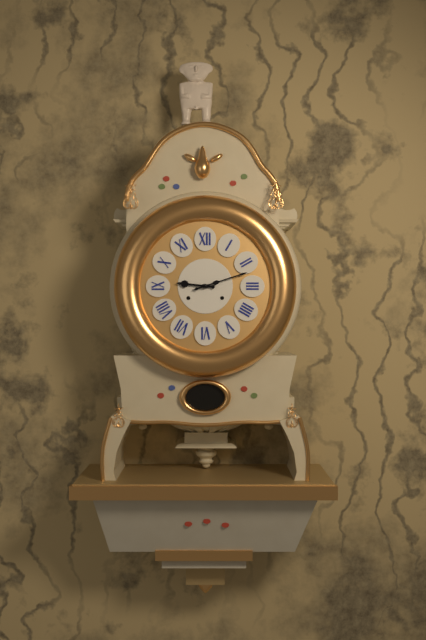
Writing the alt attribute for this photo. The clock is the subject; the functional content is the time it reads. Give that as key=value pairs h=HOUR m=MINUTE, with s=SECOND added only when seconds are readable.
h=9 m=12
